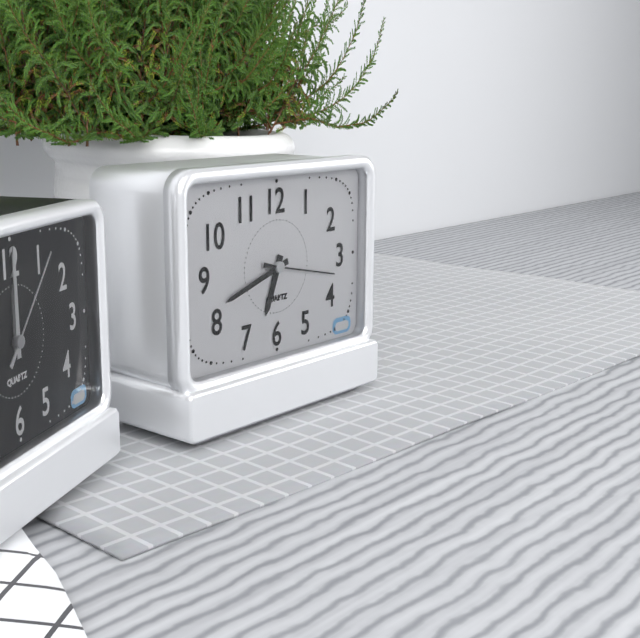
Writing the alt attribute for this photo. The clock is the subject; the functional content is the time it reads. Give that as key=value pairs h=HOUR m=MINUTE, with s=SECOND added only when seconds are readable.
h=6 m=42 s=17
